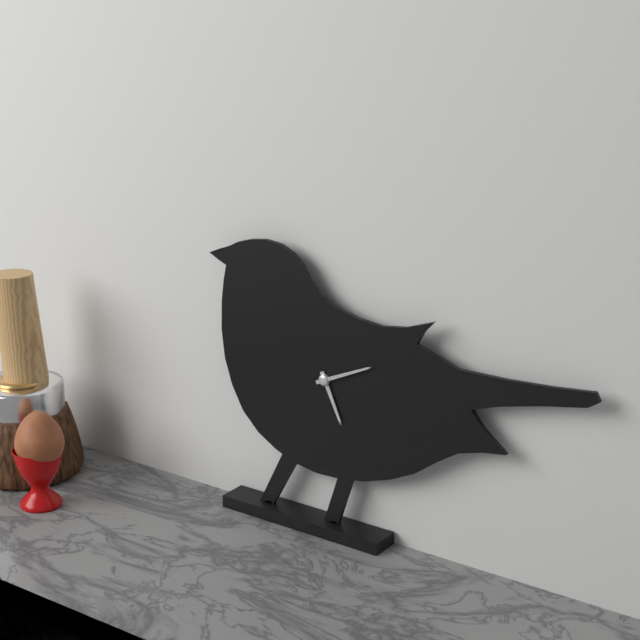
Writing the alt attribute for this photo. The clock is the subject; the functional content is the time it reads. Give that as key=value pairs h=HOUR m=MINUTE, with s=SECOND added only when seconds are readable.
h=5 m=11
